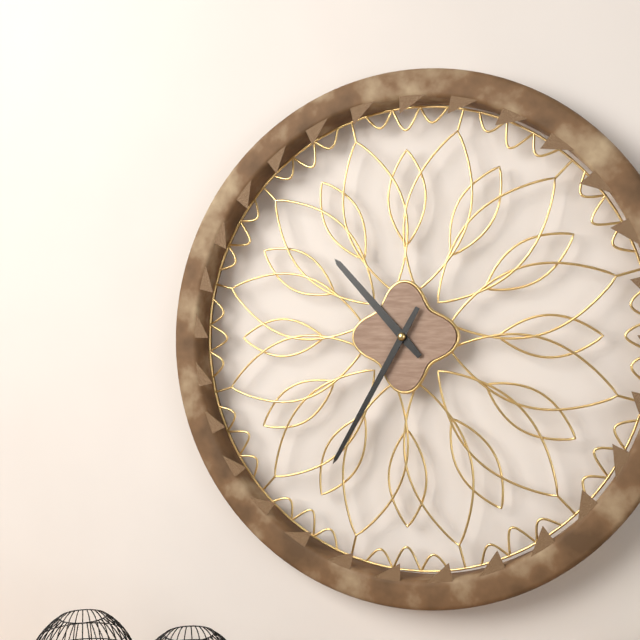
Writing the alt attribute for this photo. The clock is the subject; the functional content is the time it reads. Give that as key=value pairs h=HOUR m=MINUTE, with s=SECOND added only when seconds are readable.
h=10 m=35
